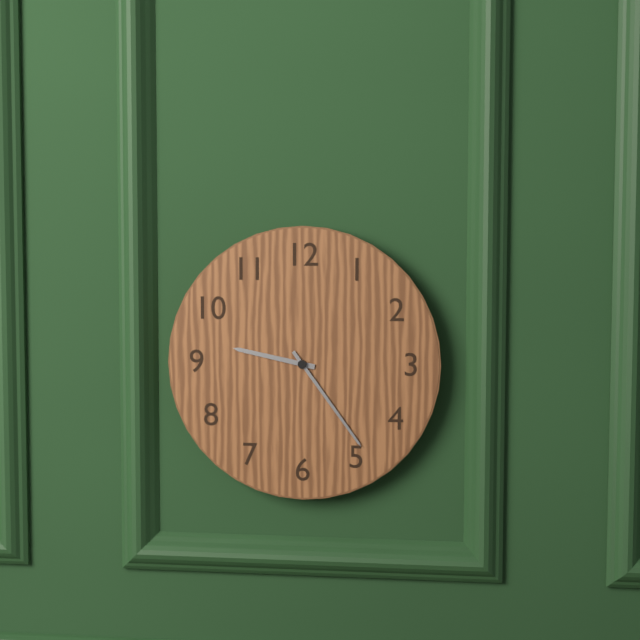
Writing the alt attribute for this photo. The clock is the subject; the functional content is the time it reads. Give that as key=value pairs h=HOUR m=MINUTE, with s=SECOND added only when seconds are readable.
h=9 m=24
